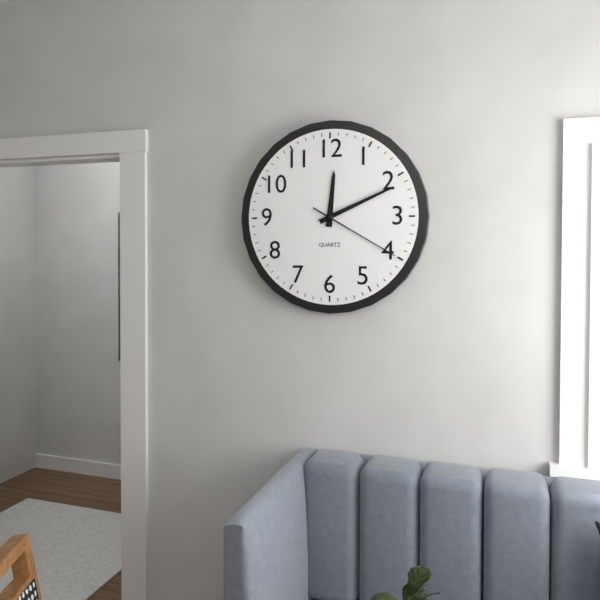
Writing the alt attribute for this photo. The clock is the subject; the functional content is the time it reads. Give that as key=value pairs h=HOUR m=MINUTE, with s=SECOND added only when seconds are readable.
h=12 m=11 s=20
